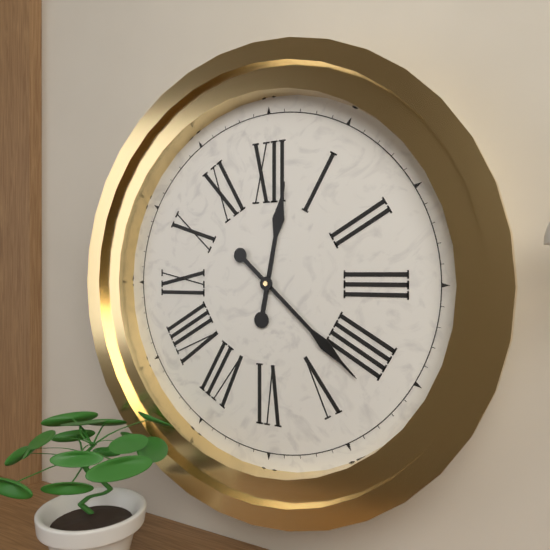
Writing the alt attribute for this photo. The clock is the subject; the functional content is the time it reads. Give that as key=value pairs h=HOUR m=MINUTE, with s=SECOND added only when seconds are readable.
h=12 m=22
